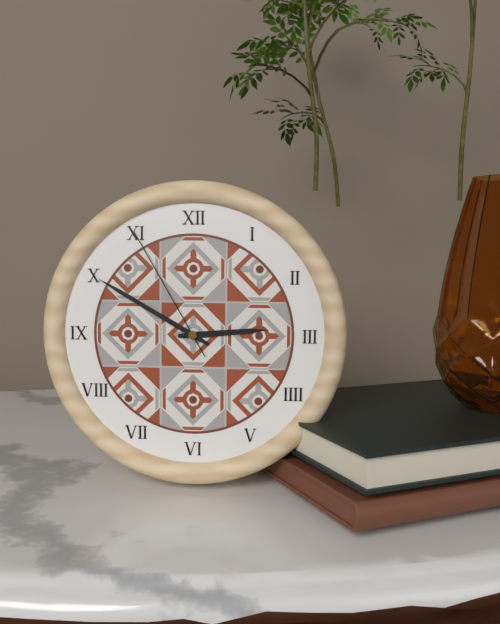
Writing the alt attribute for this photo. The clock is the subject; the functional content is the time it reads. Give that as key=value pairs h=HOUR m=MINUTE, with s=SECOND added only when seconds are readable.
h=2 m=50 s=55
